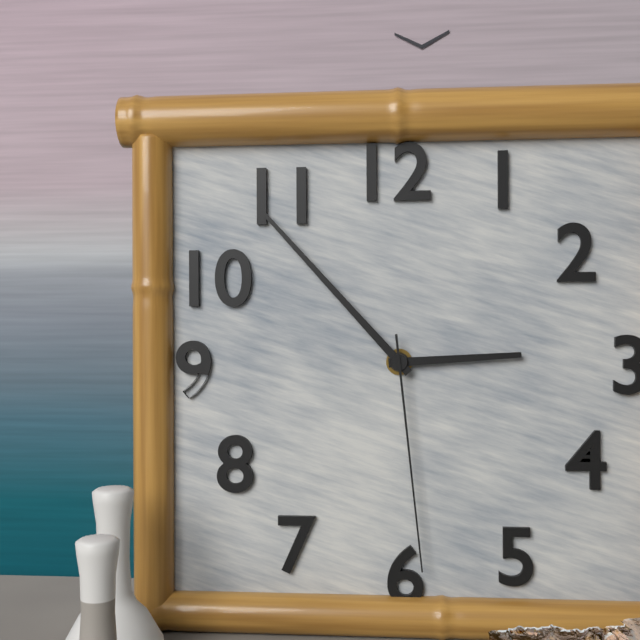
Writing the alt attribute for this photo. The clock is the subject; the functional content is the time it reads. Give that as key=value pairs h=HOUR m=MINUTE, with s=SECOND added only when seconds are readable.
h=2 m=53 s=29
